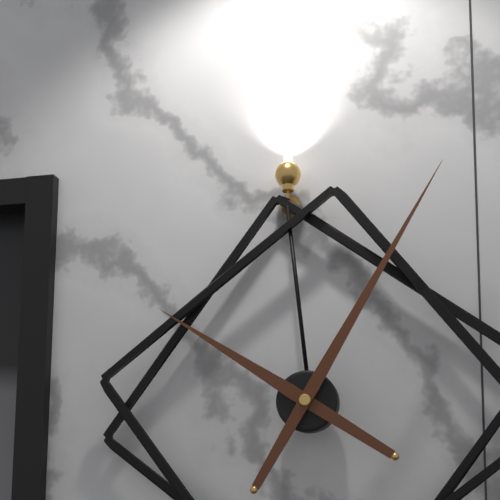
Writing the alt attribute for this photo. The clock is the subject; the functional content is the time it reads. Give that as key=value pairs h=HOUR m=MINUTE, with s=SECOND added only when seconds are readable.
h=10 m=5
